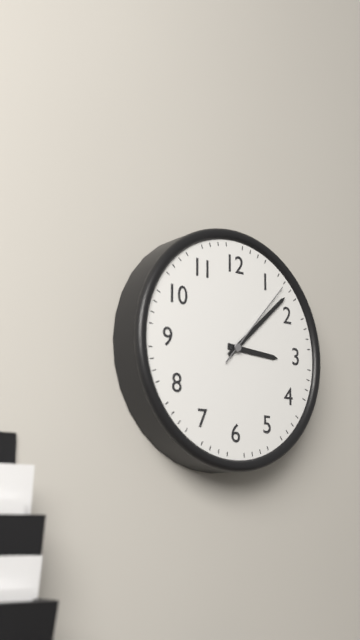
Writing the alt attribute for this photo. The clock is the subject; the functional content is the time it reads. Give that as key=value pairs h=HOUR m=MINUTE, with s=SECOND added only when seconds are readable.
h=3 m=8 s=7
